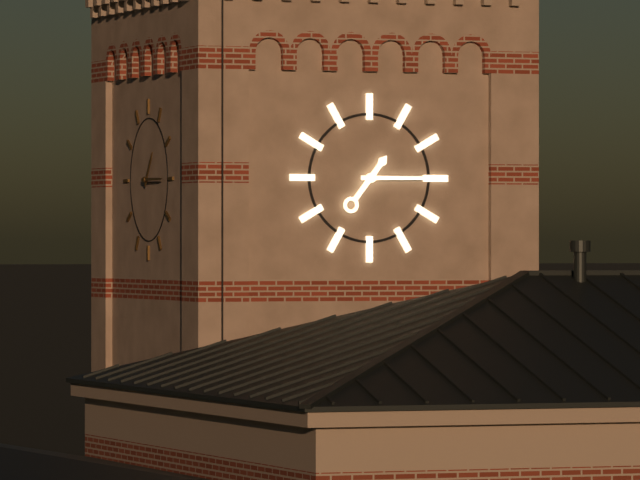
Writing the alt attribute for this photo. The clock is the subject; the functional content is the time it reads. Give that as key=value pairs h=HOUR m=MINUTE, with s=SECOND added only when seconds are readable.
h=1 m=15
